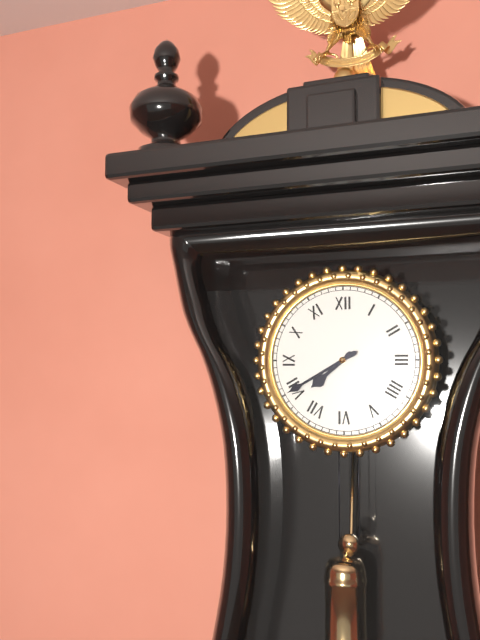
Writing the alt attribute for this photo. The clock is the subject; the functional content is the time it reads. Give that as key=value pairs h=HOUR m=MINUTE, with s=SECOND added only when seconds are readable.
h=7 m=40
